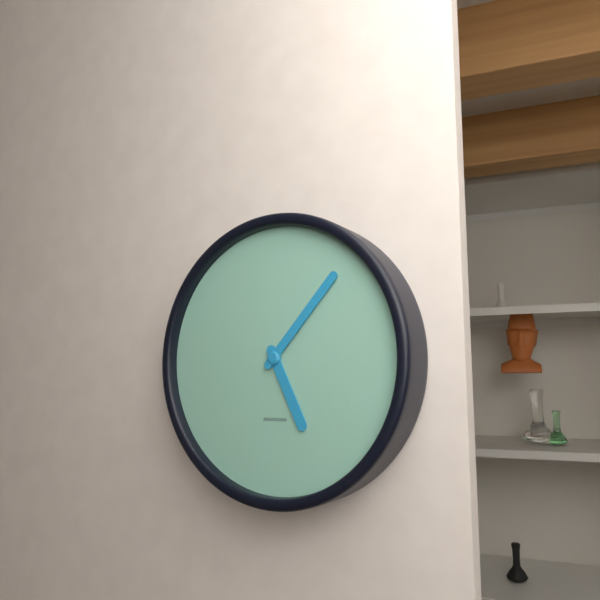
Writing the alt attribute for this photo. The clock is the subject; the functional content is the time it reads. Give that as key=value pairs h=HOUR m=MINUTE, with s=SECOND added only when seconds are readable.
h=5 m=7
